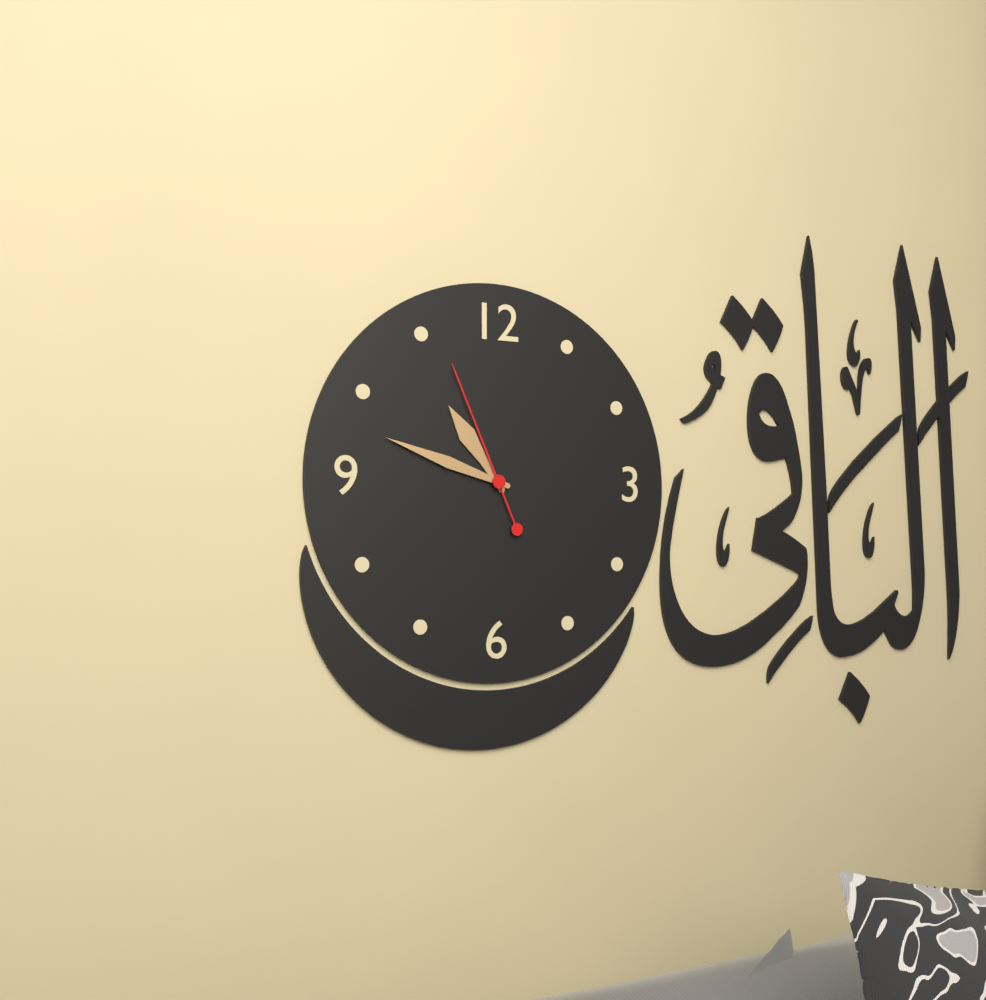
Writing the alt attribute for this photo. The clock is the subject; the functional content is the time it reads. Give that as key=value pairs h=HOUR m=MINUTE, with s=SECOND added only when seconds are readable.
h=10 m=48 s=56
